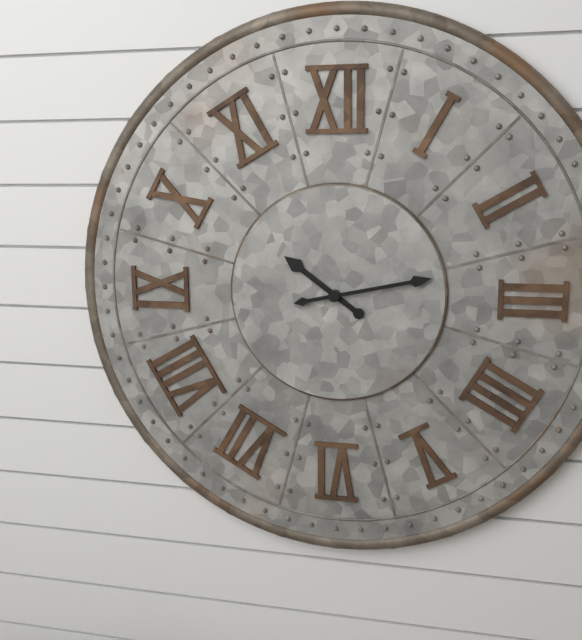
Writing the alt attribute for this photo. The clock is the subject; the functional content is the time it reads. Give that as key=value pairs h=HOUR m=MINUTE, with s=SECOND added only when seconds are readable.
h=10 m=13
